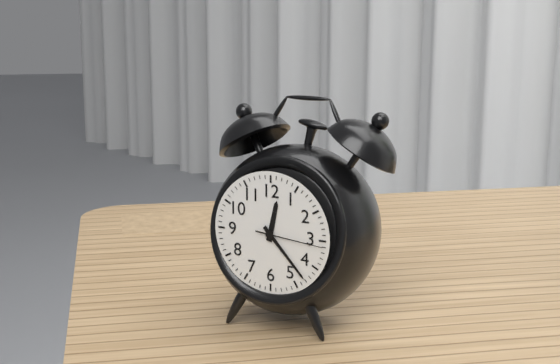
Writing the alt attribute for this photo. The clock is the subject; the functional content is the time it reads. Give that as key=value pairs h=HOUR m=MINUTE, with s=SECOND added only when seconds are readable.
h=12 m=23 s=16
